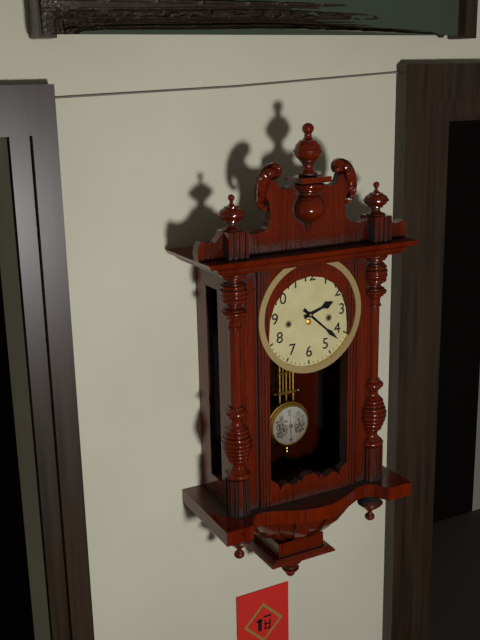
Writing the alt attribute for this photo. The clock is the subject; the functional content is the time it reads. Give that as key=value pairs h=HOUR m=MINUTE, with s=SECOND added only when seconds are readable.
h=2 m=22
